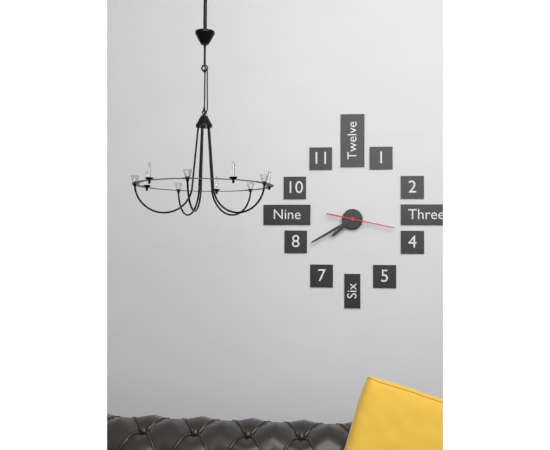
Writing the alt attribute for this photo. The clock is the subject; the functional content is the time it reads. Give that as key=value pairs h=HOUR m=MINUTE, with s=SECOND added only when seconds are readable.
h=7 m=40 s=17
